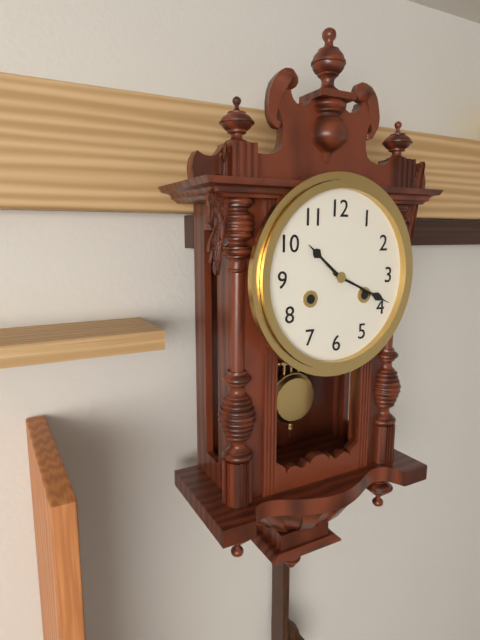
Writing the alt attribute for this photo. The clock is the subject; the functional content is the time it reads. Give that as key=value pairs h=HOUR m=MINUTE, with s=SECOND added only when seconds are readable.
h=10 m=19
